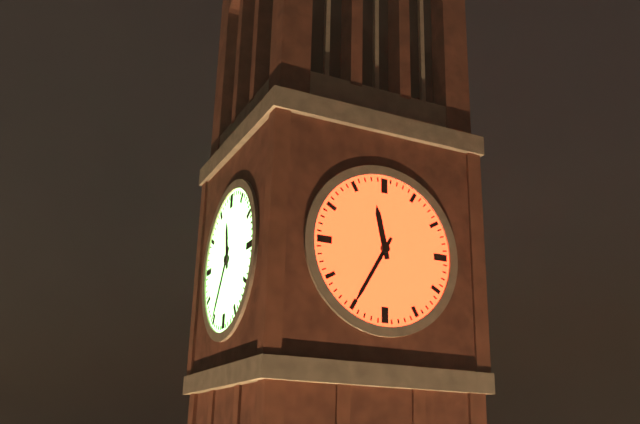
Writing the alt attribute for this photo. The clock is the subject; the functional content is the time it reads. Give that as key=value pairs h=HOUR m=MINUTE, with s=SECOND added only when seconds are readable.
h=11 m=35
